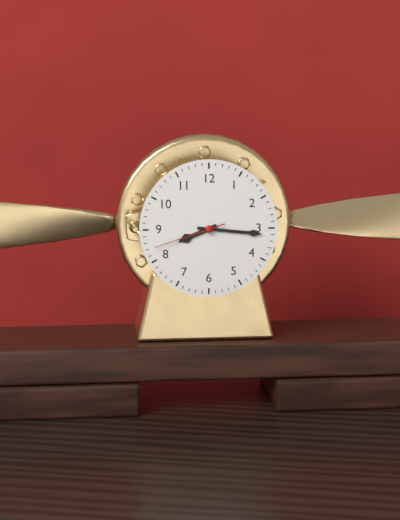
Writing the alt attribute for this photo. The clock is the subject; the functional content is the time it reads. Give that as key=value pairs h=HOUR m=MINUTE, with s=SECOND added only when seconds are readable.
h=8 m=16 s=42
